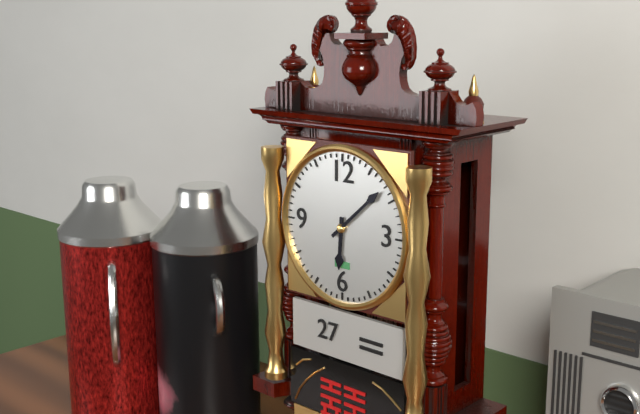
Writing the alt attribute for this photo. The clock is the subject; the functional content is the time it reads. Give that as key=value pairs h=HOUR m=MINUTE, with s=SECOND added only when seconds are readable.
h=6 m=8
